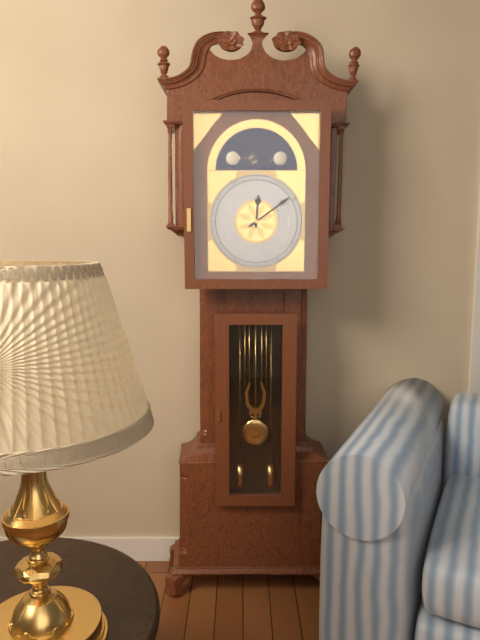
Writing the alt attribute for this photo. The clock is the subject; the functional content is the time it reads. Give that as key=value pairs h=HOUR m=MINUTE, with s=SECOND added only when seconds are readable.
h=12 m=9
